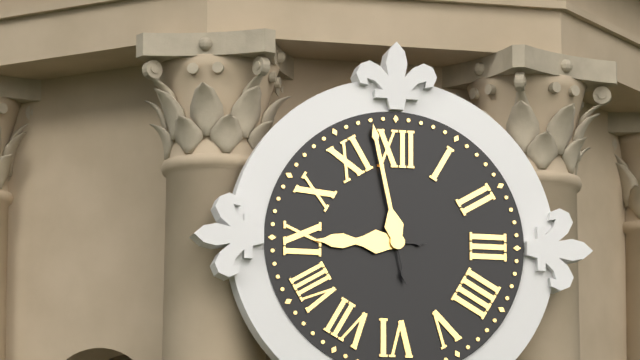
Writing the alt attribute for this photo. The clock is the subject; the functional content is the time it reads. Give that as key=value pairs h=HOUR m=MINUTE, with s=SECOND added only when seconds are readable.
h=8 m=58
